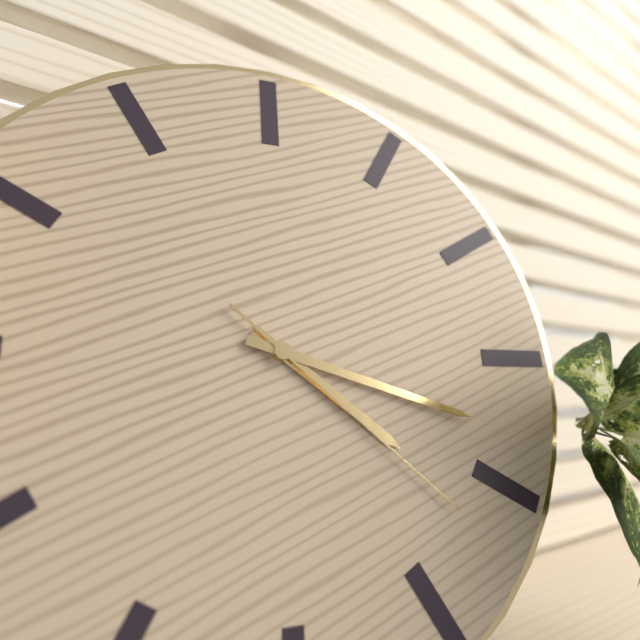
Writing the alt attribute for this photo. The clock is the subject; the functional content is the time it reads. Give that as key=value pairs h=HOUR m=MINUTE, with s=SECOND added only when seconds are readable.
h=4 m=18 s=22
